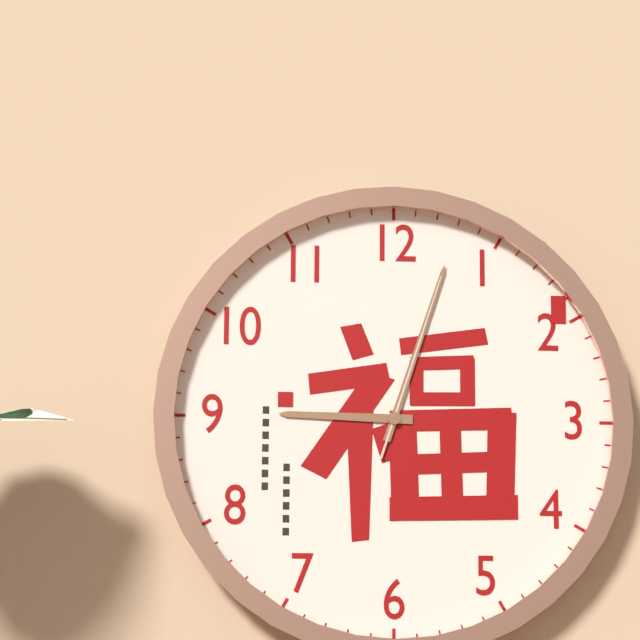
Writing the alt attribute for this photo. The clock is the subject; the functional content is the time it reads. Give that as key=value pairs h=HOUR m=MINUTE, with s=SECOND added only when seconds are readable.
h=9 m=3 s=3
